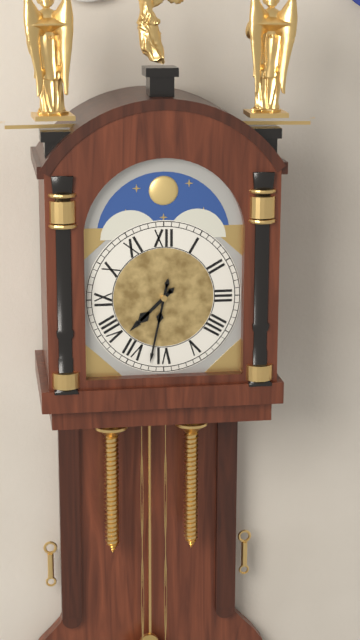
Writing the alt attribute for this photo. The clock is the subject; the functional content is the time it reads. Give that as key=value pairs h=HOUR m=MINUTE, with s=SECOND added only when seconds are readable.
h=7 m=32
